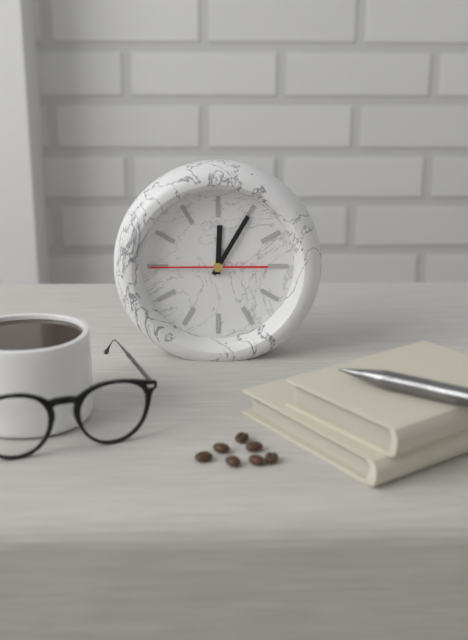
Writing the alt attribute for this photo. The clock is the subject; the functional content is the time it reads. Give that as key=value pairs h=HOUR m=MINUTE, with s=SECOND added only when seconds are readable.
h=12 m=5 s=45
